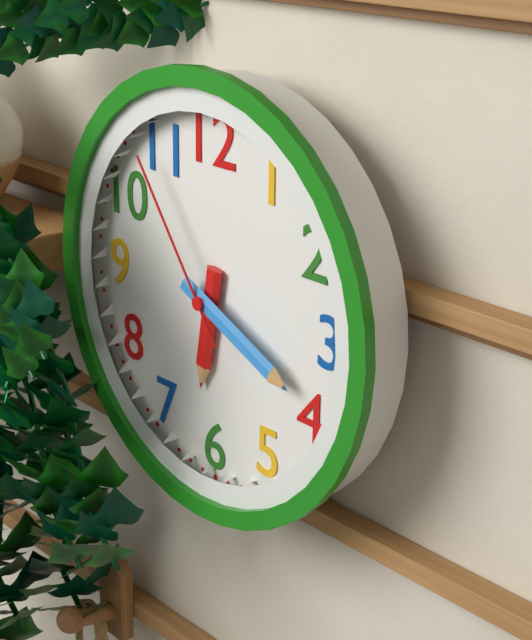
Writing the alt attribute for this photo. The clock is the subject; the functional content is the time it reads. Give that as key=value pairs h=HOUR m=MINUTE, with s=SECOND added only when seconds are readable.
h=6 m=19 s=54
